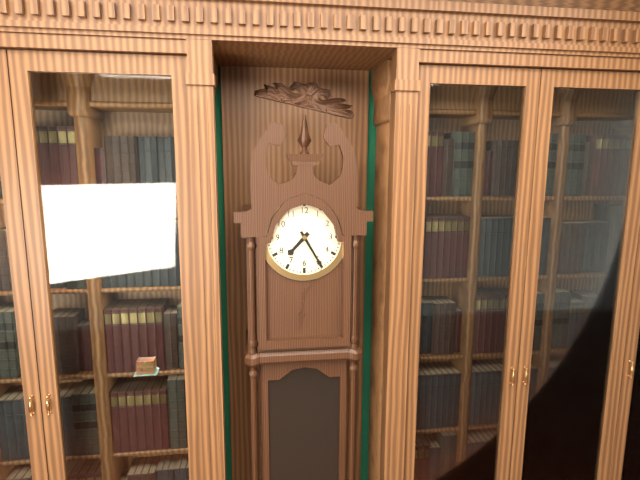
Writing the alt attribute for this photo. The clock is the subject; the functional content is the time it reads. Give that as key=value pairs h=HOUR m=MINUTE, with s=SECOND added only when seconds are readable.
h=7 m=25
